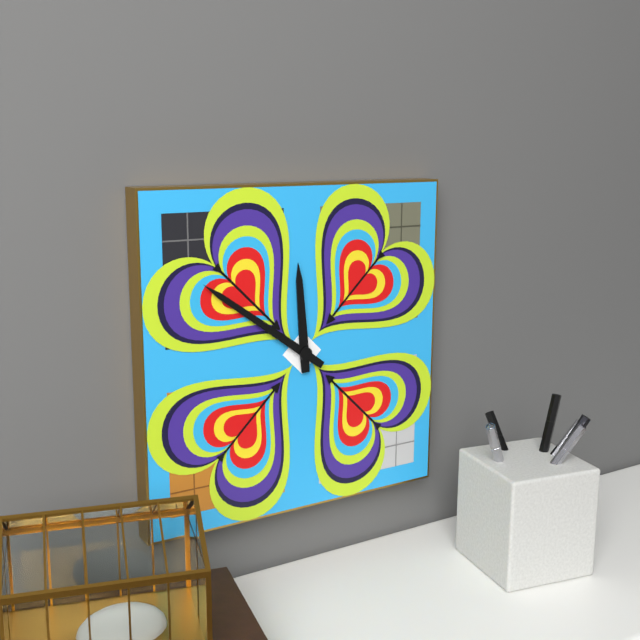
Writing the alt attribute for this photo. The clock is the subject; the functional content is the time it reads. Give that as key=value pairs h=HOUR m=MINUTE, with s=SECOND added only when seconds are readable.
h=11 m=51
